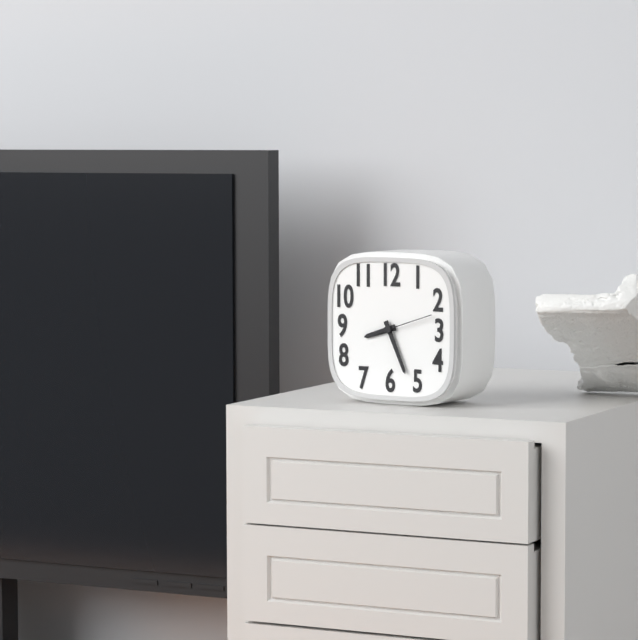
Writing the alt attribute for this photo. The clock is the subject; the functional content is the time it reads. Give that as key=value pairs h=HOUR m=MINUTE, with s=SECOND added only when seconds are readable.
h=8 m=26 s=12
